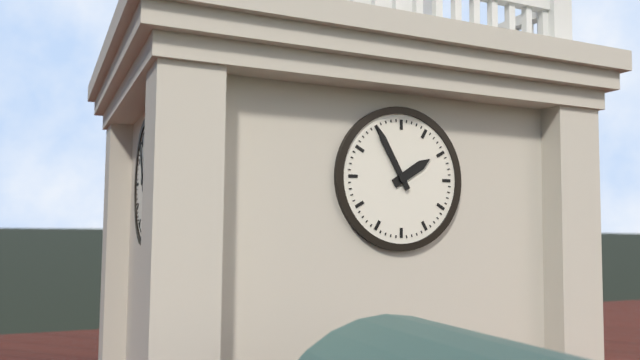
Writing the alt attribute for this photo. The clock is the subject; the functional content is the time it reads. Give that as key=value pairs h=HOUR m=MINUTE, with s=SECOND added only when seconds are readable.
h=1 m=55
